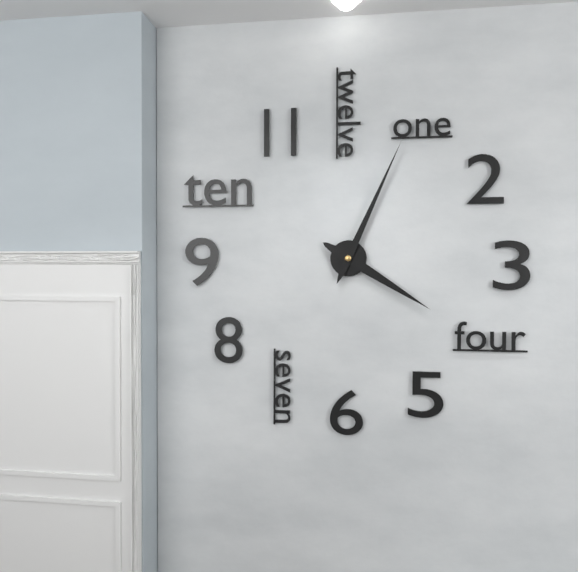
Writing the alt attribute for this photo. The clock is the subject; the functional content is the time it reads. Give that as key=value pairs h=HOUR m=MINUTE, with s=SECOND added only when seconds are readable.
h=4 m=4
